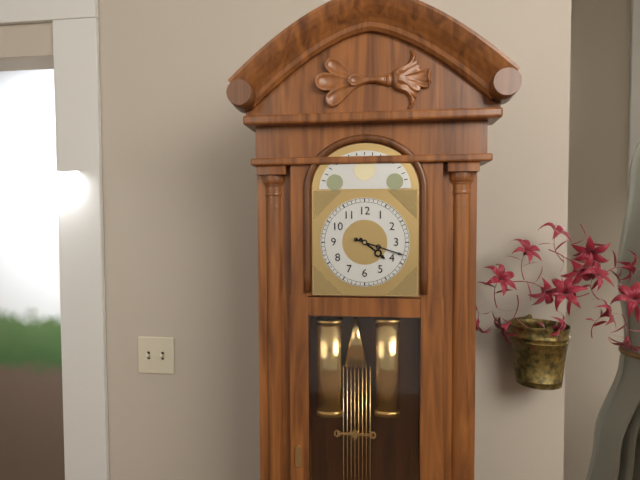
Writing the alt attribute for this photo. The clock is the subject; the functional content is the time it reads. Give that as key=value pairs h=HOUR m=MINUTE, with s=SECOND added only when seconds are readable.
h=4 m=18
